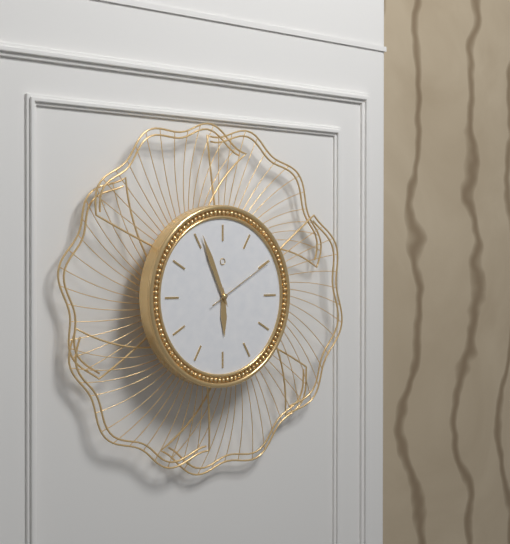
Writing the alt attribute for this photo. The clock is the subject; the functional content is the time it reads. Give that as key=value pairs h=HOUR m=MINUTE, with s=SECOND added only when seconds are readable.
h=5 m=56 s=10
